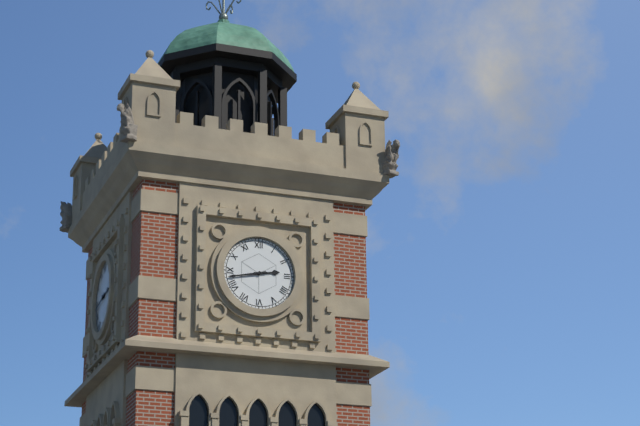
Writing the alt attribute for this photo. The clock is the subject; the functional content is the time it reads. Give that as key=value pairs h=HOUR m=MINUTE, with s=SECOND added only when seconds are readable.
h=2 m=43
